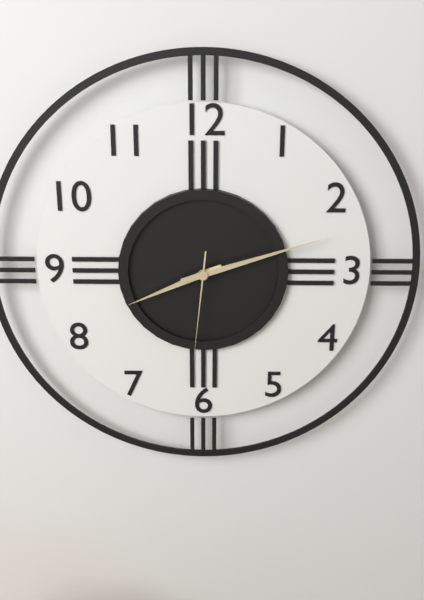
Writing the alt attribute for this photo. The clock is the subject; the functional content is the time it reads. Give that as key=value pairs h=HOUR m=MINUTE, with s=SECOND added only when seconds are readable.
h=8 m=12 s=31
